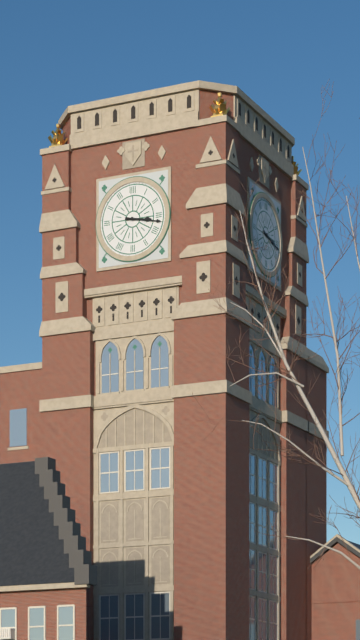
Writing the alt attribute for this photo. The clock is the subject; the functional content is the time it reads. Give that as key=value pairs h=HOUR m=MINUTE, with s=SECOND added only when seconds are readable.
h=3 m=17
